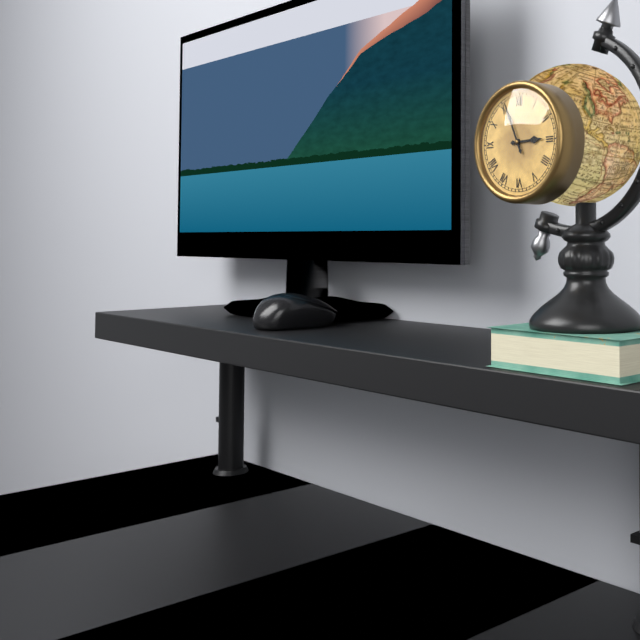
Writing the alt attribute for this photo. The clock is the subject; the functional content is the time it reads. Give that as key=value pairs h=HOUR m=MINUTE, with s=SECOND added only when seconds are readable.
h=2 m=56
